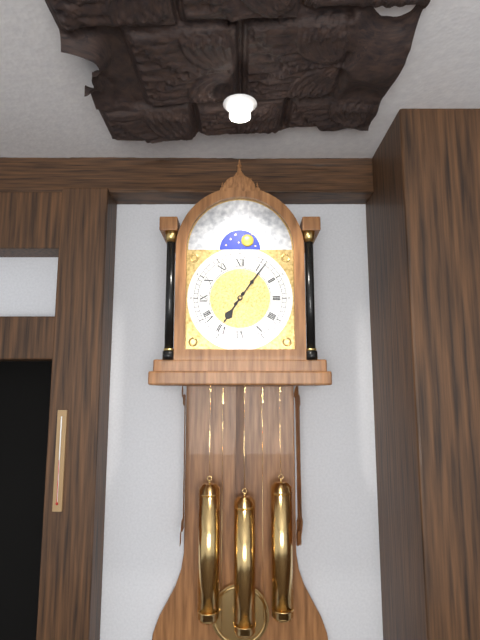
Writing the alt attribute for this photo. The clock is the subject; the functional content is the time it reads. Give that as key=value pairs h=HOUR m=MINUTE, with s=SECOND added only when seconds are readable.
h=7 m=6
